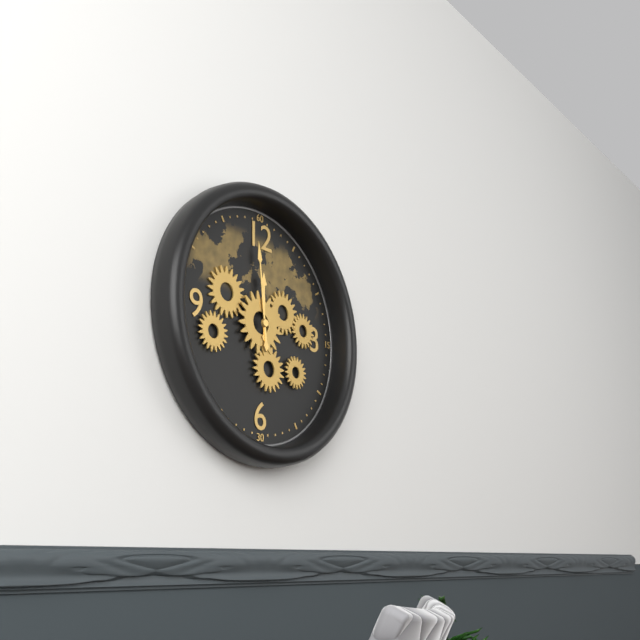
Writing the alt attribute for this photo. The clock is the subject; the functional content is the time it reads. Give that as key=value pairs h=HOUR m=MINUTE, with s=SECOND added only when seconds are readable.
h=11 m=59
